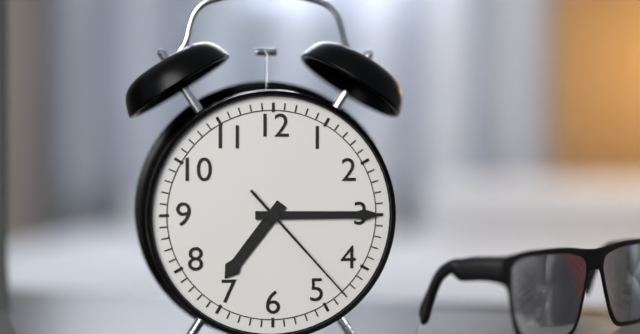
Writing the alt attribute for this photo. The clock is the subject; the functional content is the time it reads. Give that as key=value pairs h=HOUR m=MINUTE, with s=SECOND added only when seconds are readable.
h=7 m=15 s=23
